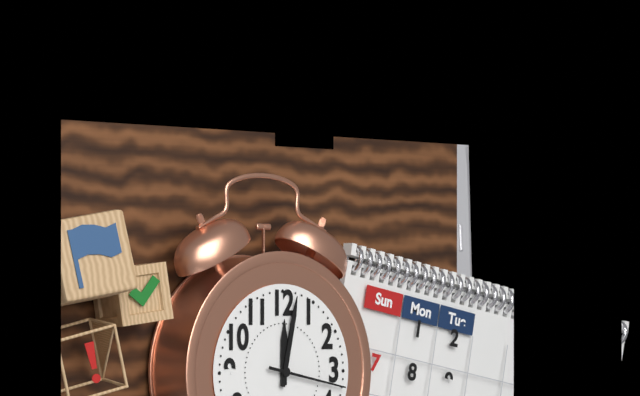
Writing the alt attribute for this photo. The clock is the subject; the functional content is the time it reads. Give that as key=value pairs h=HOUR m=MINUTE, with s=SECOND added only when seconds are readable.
h=12 m=2 s=17
